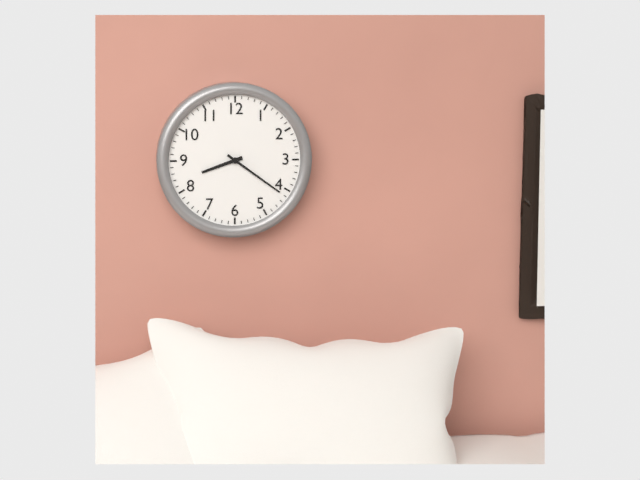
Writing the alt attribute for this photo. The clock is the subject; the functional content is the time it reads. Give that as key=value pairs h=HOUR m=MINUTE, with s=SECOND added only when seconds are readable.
h=8 m=21
